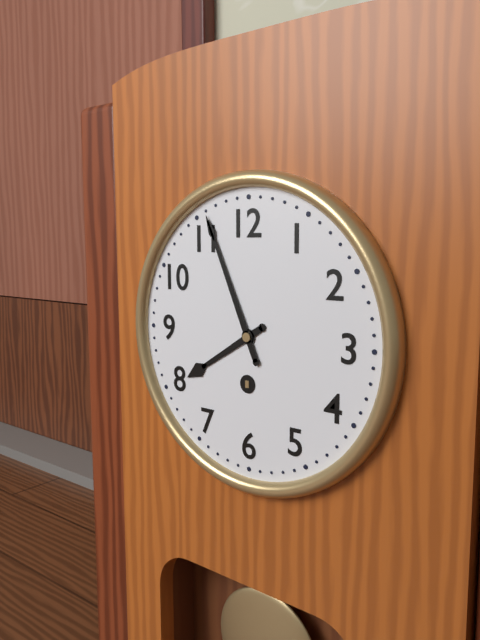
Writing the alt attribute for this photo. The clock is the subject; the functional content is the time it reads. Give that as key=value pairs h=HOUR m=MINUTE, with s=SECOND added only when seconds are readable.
h=7 m=56
